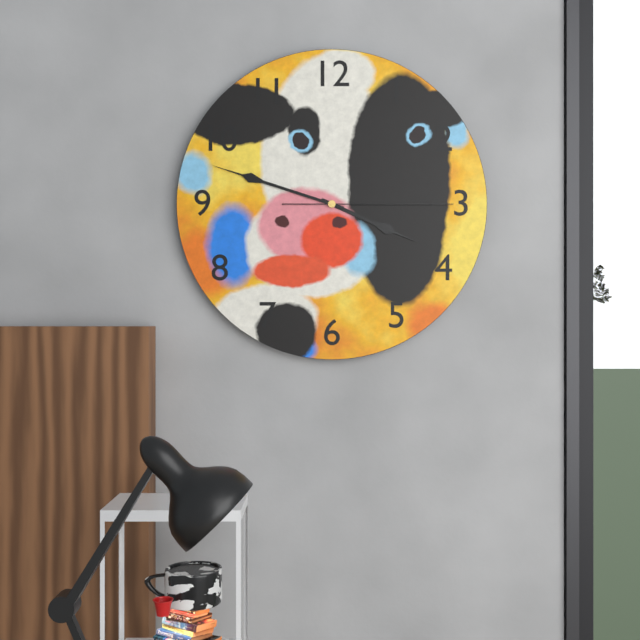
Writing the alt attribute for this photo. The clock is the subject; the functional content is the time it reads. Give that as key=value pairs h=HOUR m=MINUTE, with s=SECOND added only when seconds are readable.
h=3 m=48 s=15
